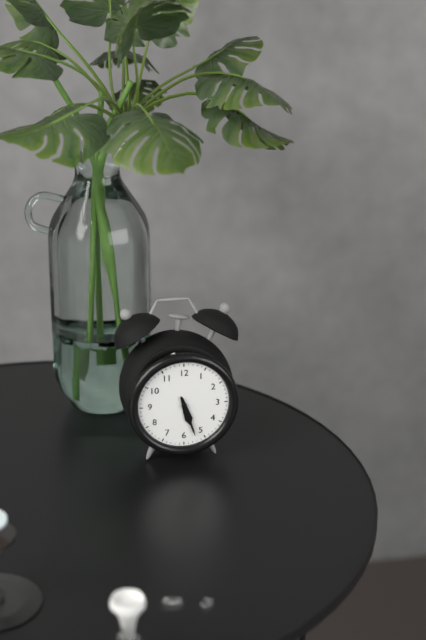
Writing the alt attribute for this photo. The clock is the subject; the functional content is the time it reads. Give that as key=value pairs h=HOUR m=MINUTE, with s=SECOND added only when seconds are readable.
h=5 m=27
